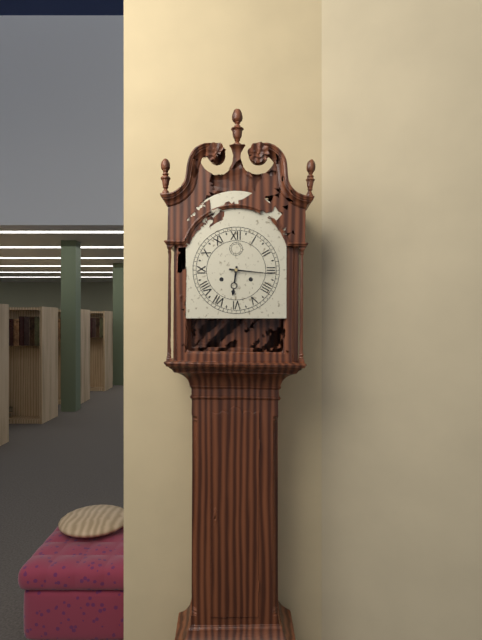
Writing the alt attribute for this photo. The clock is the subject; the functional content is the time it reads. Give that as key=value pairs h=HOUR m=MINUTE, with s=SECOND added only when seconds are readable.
h=6 m=16
